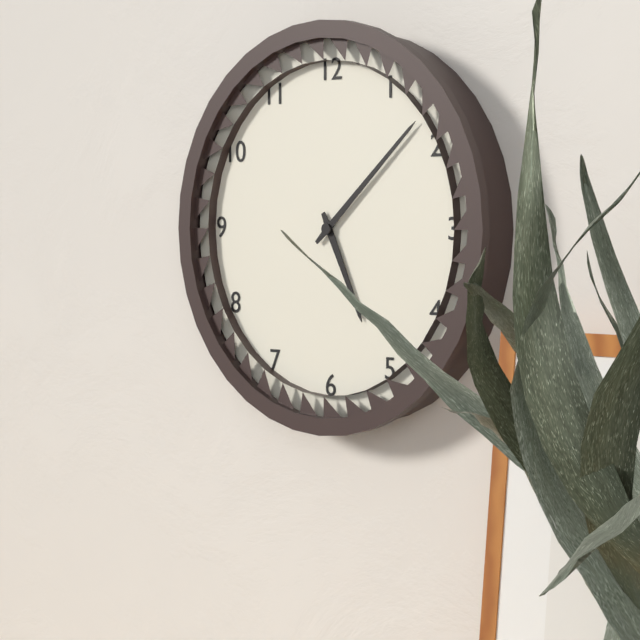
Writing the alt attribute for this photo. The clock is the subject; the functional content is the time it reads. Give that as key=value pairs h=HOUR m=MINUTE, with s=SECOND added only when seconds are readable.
h=5 m=8
